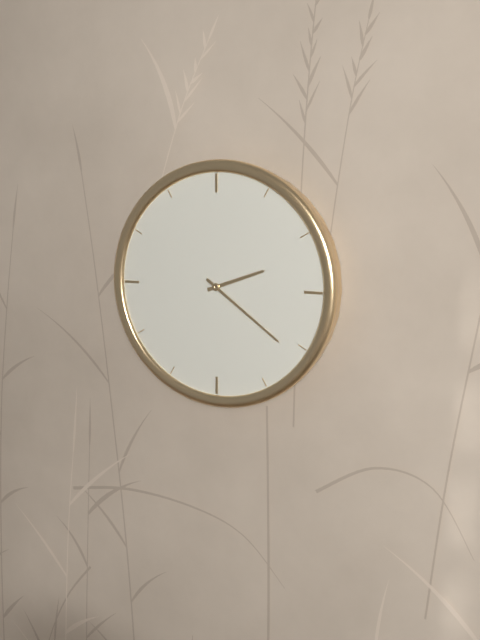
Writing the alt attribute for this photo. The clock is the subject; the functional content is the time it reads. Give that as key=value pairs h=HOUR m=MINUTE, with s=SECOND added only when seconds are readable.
h=2 m=21
